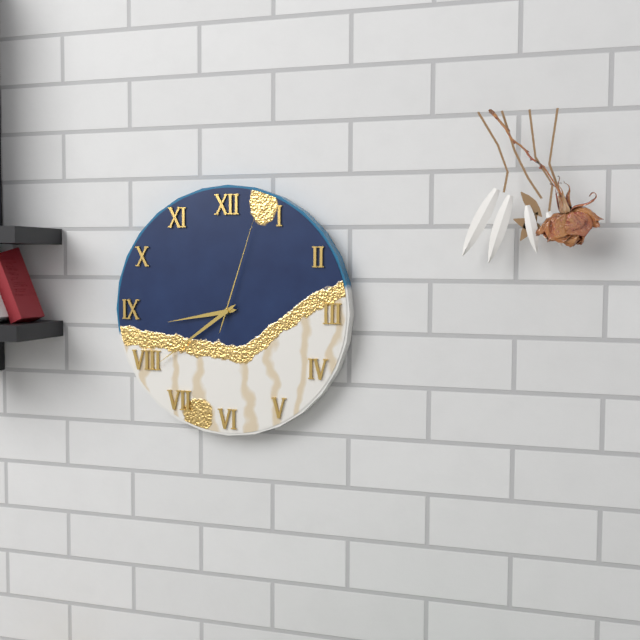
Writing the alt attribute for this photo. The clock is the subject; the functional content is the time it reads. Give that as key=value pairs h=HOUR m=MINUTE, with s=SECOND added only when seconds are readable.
h=8 m=39 s=3
